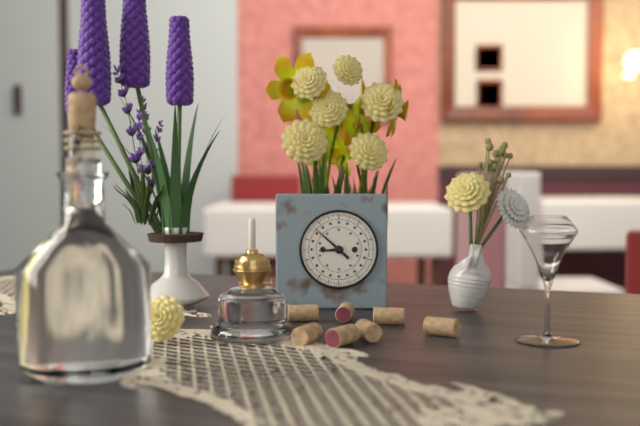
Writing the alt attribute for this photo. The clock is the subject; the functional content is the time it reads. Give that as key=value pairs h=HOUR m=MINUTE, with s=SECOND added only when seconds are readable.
h=8 m=52
